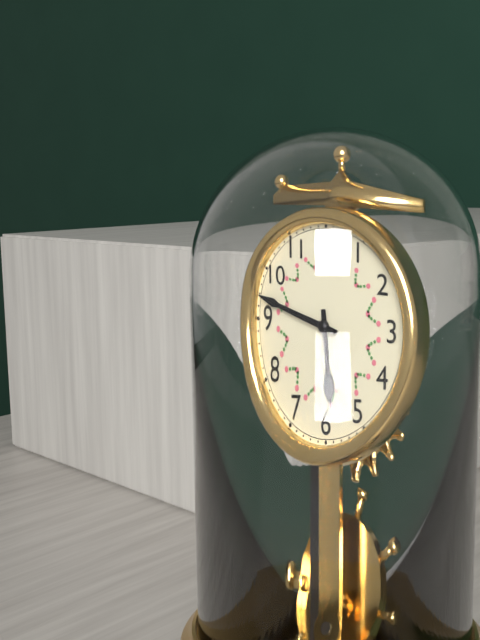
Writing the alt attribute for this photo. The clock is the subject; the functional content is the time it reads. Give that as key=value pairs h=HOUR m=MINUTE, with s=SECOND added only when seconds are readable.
h=5 m=47
